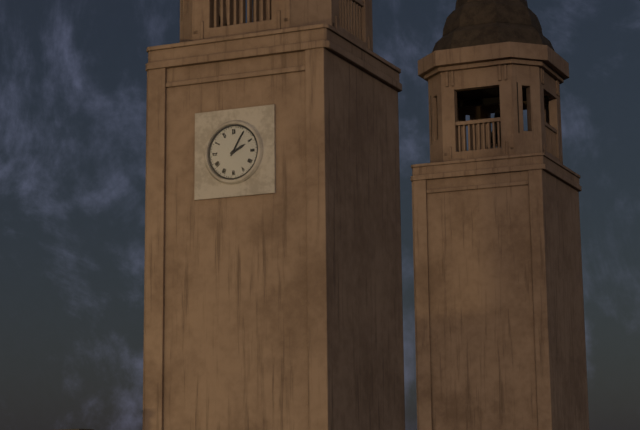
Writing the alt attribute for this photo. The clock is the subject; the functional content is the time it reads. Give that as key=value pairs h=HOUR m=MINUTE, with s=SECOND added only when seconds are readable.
h=2 m=5
